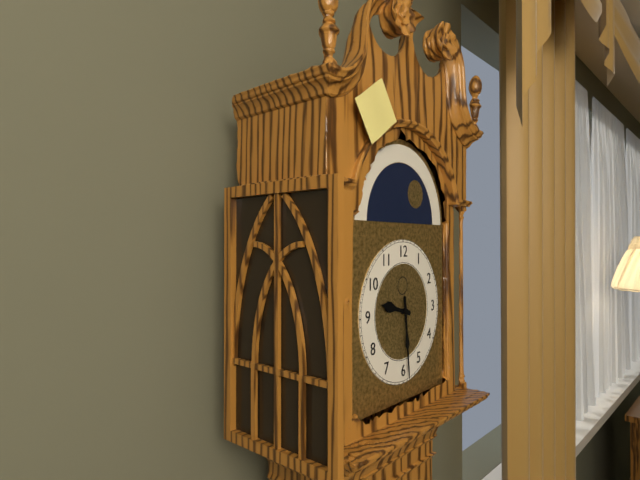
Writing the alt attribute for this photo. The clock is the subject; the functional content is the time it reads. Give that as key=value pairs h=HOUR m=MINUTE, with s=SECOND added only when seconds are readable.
h=9 m=29
